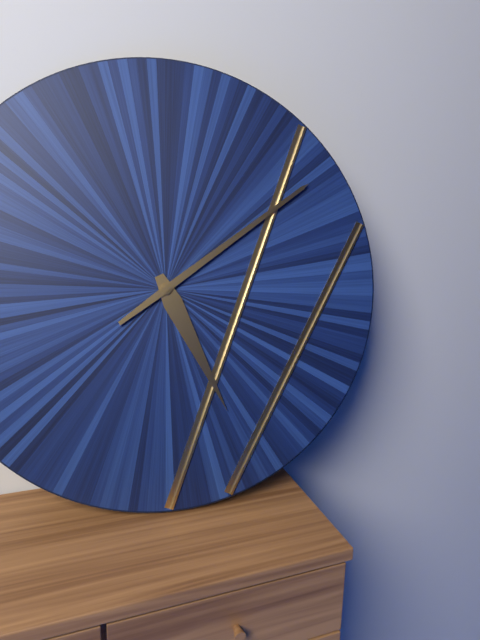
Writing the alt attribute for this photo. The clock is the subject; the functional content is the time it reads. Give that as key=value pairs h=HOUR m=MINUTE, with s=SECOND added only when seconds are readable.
h=5 m=9
